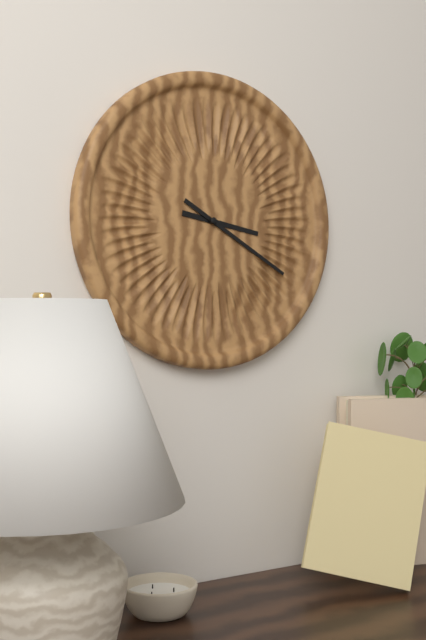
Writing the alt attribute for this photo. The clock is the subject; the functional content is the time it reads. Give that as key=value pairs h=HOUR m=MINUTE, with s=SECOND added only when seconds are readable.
h=3 m=20
